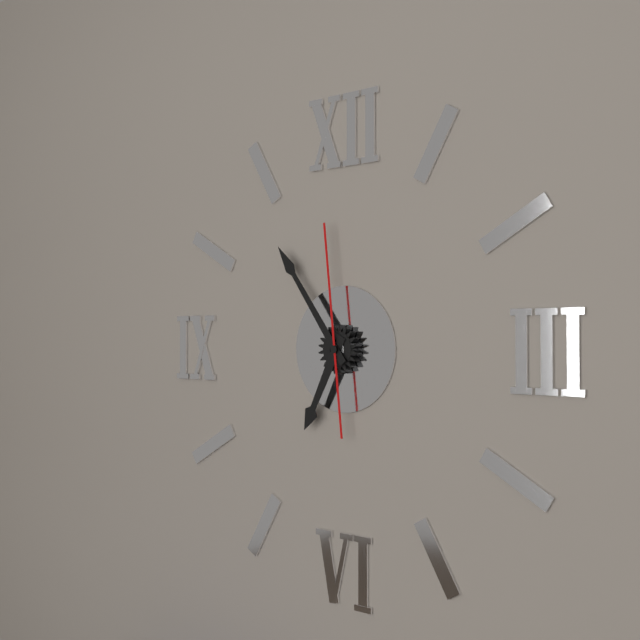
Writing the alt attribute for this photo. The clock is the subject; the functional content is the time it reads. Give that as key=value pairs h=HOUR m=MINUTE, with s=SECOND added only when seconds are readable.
h=6 m=54 s=59
